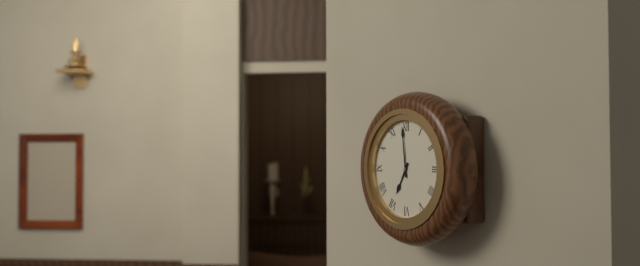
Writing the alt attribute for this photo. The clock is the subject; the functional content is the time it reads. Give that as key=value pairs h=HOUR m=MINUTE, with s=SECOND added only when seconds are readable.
h=6 m=59
